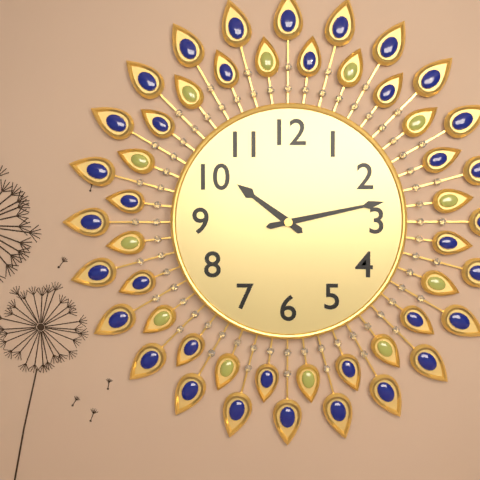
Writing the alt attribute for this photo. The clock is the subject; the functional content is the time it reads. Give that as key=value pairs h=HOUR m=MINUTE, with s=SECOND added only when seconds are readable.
h=10 m=13
